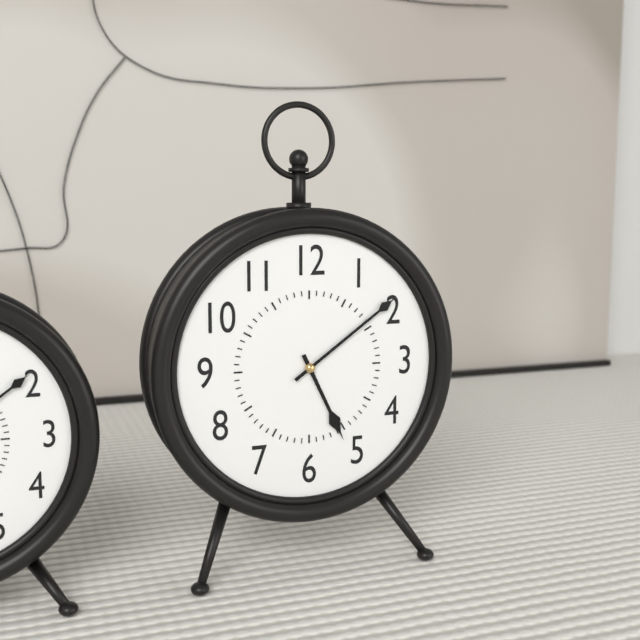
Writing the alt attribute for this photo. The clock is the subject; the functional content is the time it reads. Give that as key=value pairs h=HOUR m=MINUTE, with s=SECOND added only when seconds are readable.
h=5 m=9
